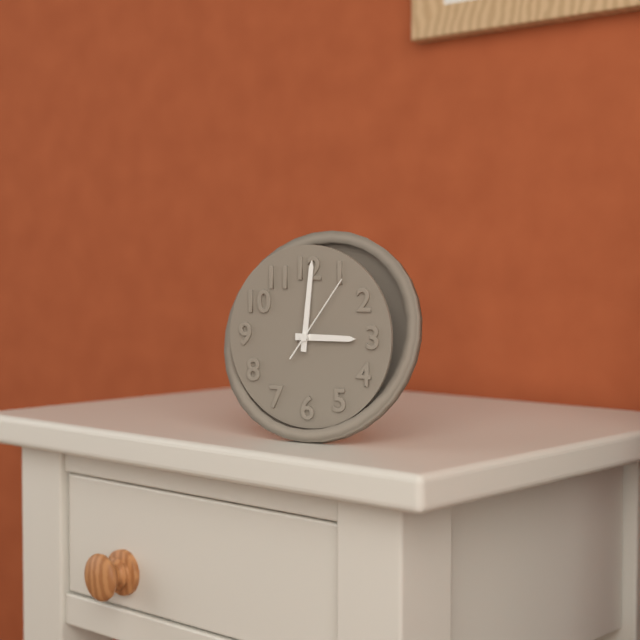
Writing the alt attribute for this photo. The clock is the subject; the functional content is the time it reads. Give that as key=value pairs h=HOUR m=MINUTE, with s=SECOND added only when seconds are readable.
h=3 m=1 s=6
